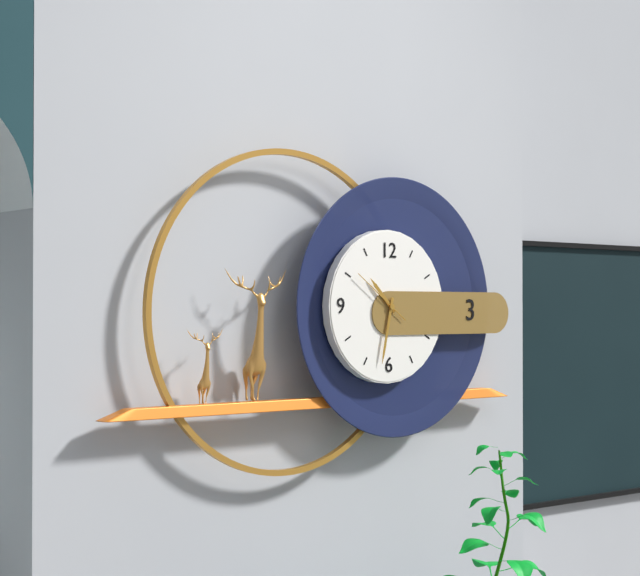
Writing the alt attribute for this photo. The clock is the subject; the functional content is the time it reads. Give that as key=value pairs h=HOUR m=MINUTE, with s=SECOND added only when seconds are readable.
h=10 m=32 s=51
